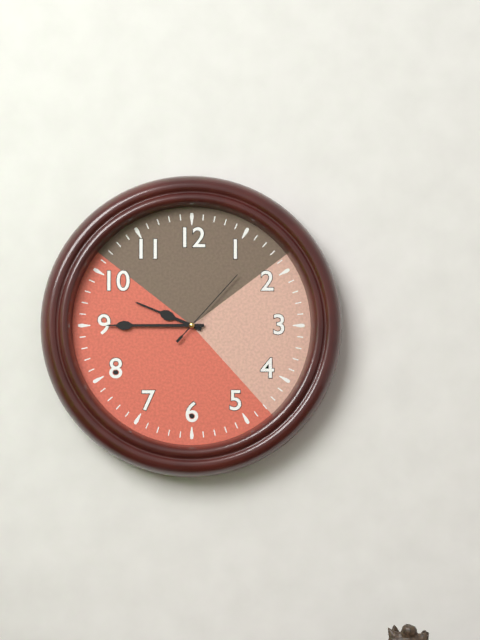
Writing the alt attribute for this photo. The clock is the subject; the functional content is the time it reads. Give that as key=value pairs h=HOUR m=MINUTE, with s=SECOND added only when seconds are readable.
h=9 m=45 s=7
